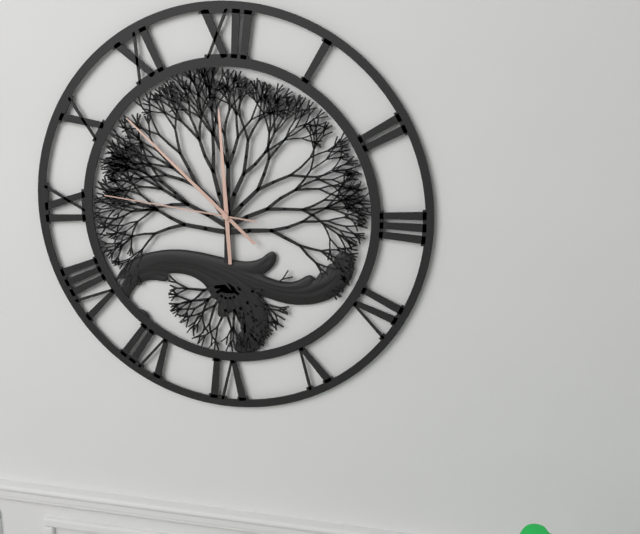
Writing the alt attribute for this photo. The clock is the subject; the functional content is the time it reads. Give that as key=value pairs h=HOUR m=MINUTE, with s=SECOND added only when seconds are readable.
h=11 m=52 s=46
